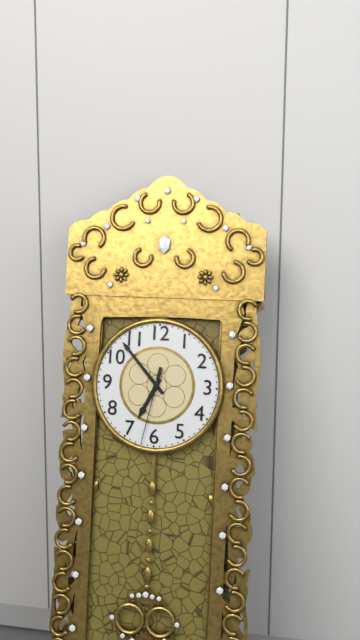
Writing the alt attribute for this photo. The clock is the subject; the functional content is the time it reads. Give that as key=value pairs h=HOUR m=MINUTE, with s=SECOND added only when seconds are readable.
h=6 m=53 s=32
